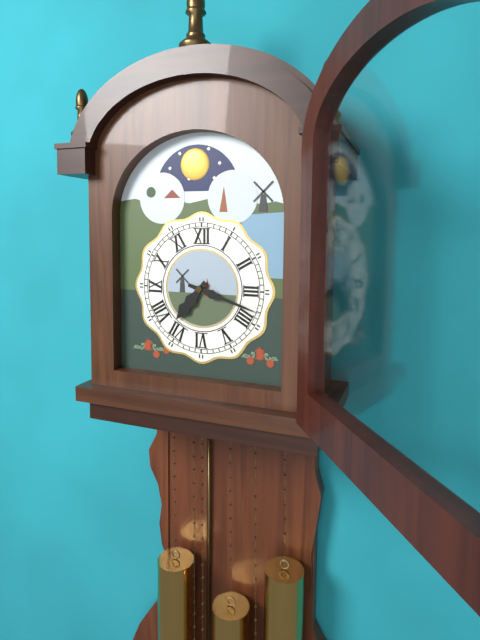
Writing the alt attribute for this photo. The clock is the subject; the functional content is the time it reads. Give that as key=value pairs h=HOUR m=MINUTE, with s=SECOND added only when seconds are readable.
h=7 m=18
